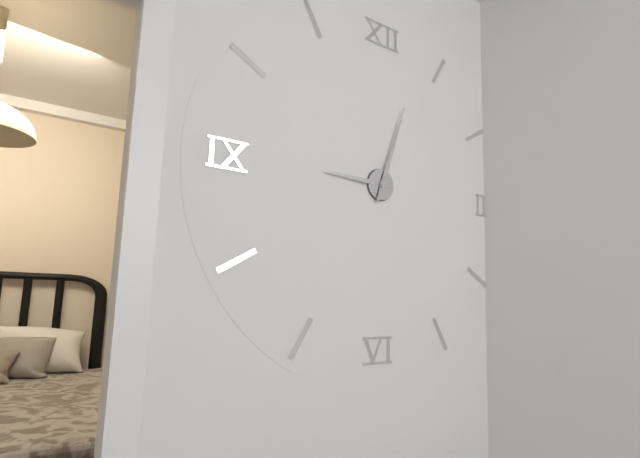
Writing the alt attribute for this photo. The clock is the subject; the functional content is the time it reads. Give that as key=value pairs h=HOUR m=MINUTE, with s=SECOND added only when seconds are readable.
h=9 m=3
